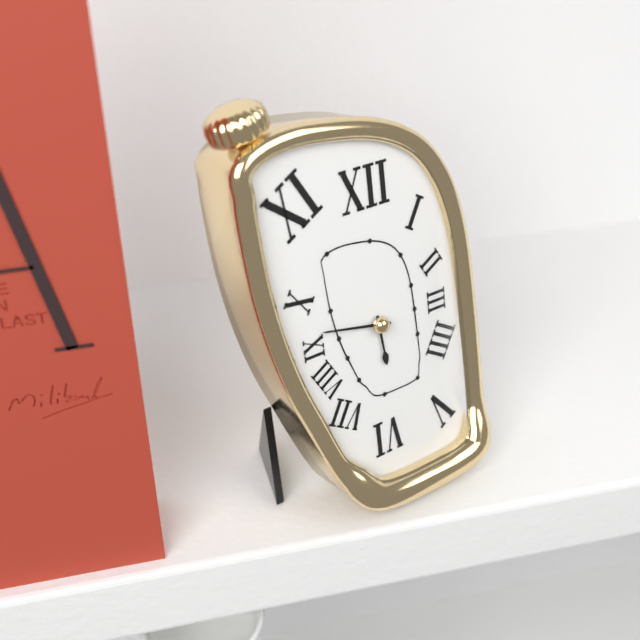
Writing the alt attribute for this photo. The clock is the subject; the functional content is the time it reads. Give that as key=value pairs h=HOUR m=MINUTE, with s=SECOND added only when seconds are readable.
h=5 m=47
